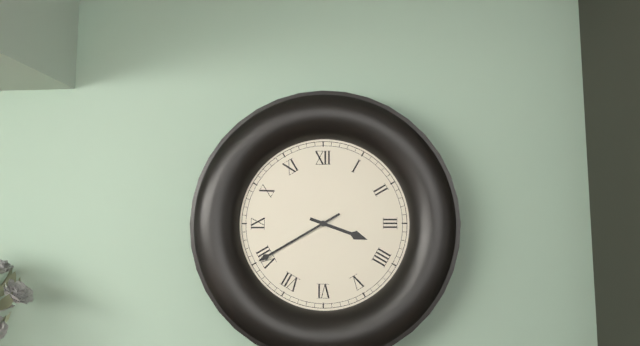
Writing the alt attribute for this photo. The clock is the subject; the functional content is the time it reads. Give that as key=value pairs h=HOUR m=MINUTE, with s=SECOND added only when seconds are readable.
h=3 m=40
